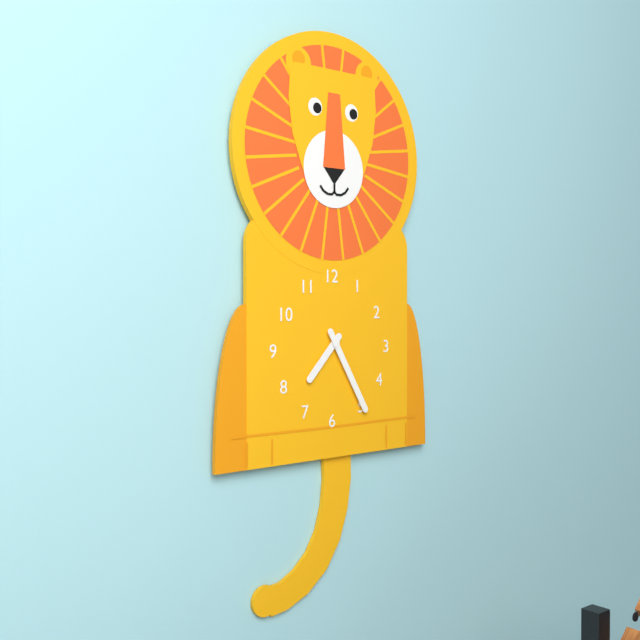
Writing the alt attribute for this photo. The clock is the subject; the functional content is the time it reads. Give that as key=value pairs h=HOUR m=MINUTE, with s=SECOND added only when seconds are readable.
h=7 m=25
